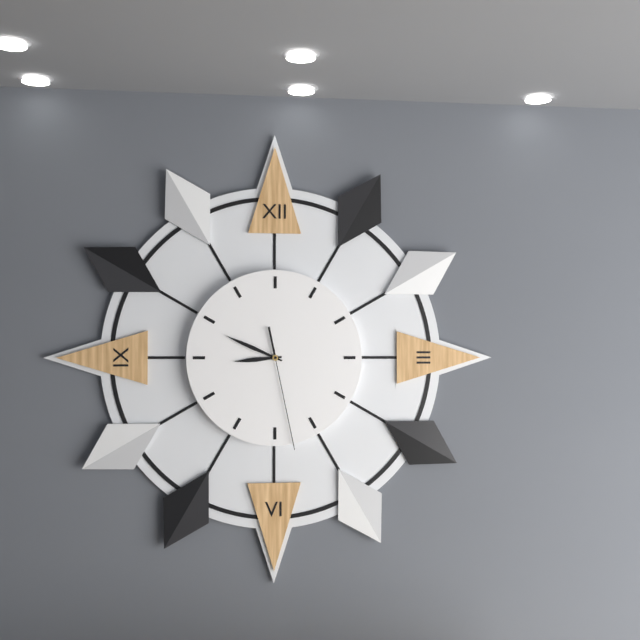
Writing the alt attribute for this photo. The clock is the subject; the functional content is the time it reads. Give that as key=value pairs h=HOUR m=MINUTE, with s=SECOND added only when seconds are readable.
h=8 m=49 s=28
